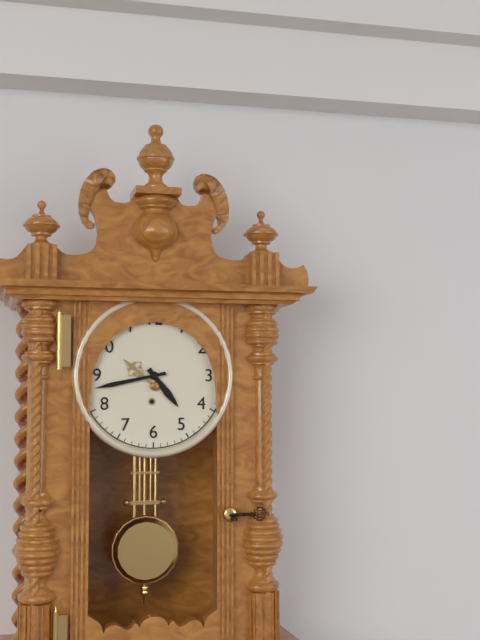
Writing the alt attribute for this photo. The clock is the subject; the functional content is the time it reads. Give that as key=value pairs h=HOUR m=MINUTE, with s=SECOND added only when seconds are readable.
h=4 m=43
